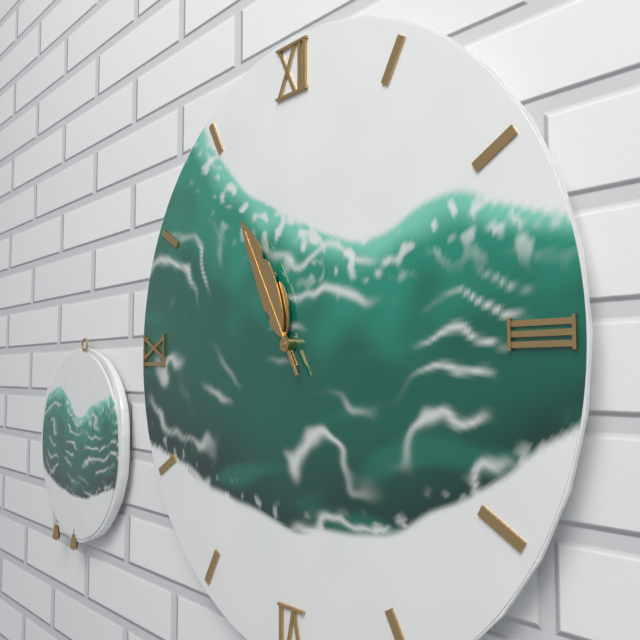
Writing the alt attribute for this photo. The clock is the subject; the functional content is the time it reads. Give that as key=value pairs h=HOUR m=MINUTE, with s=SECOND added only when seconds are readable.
h=10 m=55
